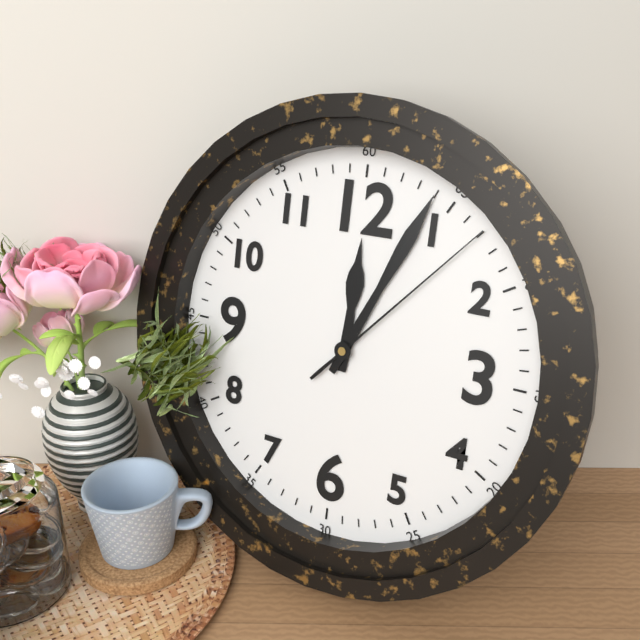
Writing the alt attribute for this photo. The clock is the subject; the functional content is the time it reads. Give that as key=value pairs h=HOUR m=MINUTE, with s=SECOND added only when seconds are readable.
h=12 m=4 s=7
